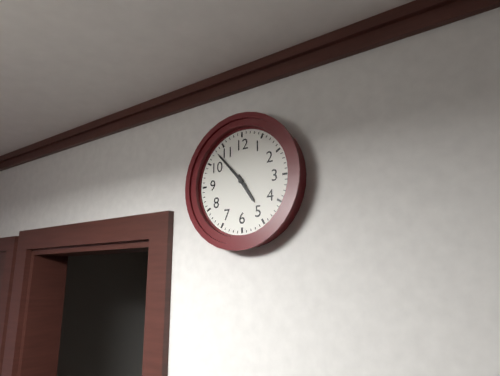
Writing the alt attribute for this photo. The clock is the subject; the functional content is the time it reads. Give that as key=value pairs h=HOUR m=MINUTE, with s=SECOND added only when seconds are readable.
h=4 m=53
